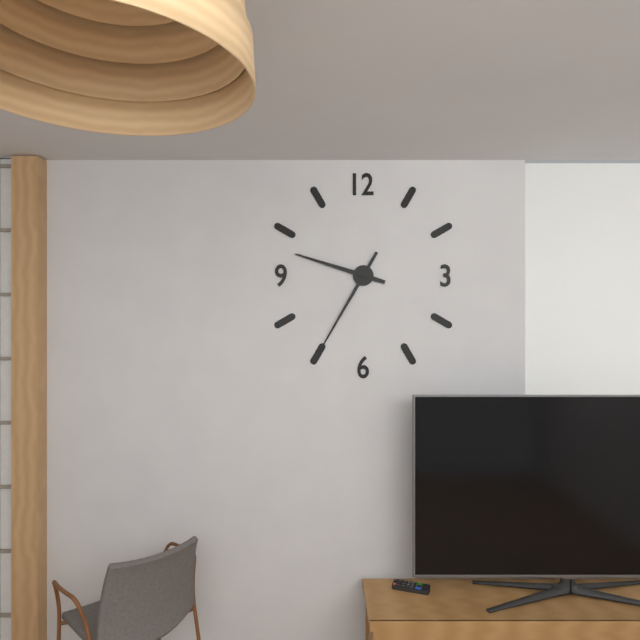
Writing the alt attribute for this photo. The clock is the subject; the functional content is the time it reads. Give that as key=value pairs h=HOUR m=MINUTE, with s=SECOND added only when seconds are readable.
h=9 m=35
